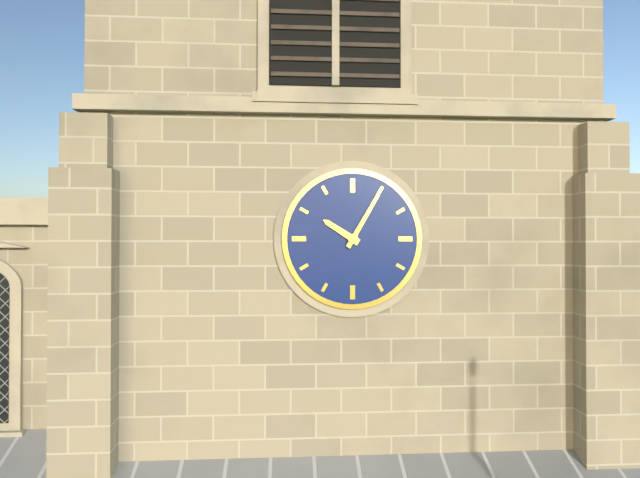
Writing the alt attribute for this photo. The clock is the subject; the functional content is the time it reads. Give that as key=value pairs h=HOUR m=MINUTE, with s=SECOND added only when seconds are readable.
h=10 m=5
